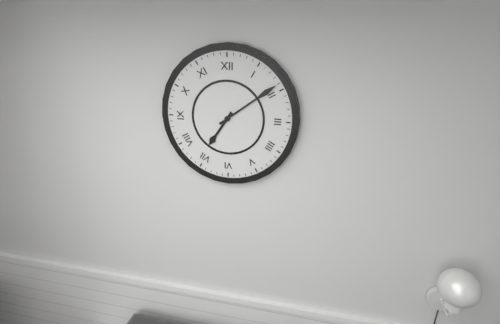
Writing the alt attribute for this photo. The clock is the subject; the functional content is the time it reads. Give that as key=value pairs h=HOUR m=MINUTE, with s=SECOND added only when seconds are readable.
h=7 m=9
